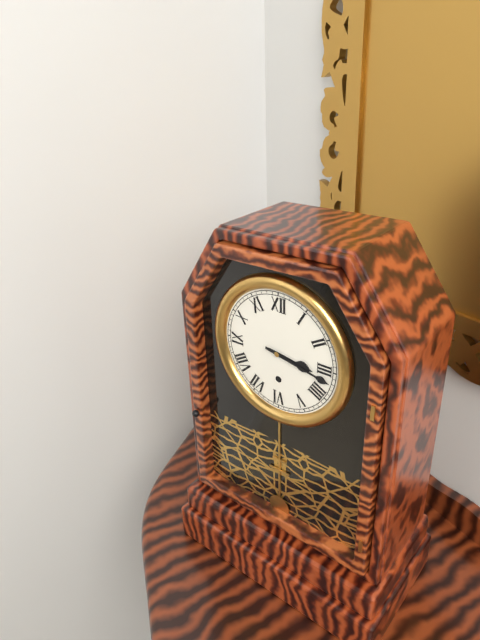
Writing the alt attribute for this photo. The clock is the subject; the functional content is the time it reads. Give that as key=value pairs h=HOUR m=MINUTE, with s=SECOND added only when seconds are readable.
h=3 m=17
